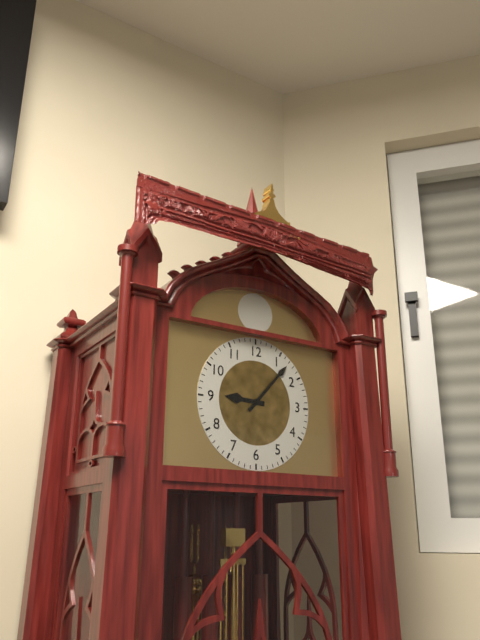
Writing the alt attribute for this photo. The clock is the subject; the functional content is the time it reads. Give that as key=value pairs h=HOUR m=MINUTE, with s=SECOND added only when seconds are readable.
h=9 m=7
